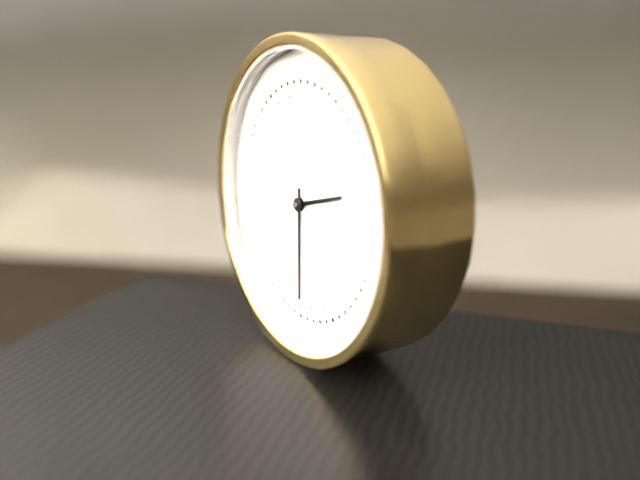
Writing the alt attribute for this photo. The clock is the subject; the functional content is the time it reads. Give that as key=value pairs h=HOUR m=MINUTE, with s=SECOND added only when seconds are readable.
h=2 m=30
